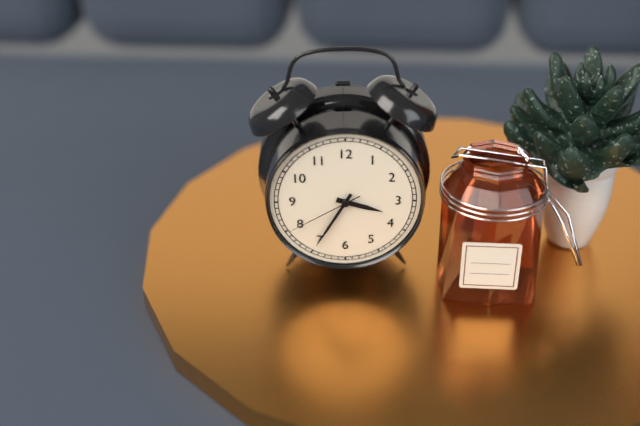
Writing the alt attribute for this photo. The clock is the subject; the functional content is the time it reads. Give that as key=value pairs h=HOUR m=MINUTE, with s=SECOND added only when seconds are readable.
h=3 m=35 s=40
